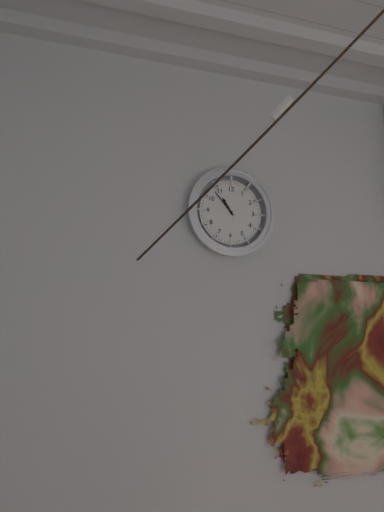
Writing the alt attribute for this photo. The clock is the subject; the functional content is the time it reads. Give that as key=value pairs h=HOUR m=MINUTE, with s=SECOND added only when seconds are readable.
h=10 m=53
